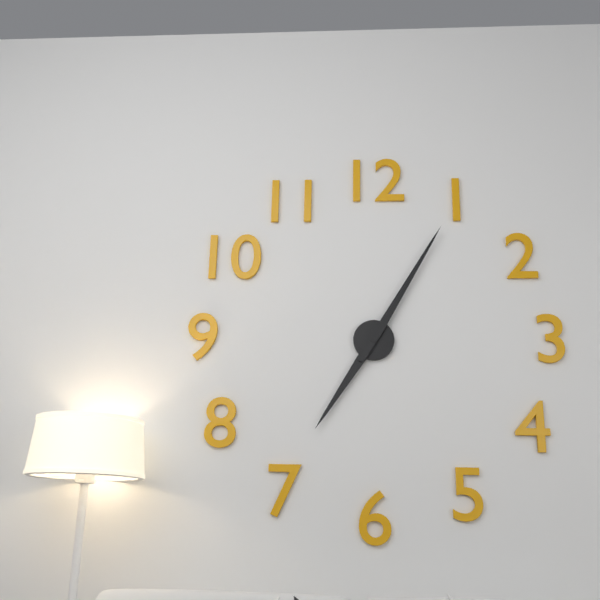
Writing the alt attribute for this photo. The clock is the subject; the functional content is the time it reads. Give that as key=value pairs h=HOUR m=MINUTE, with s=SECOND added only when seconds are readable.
h=7 m=5
